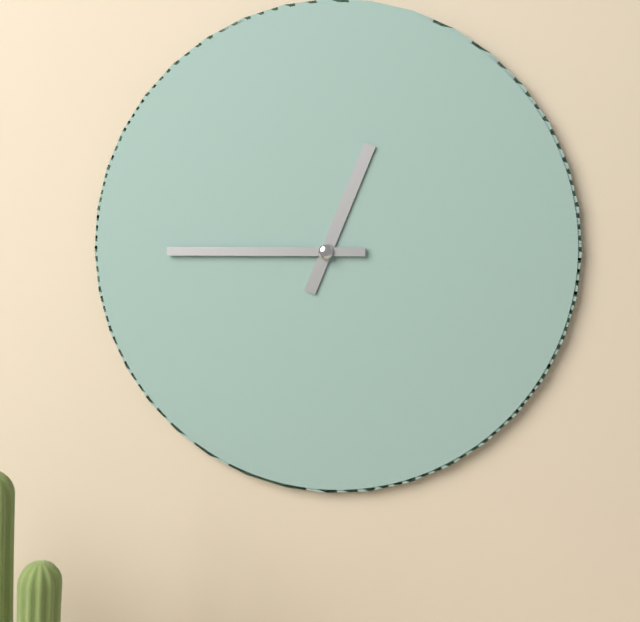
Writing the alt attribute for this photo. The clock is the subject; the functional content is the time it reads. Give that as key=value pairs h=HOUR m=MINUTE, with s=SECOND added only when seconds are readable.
h=12 m=45
